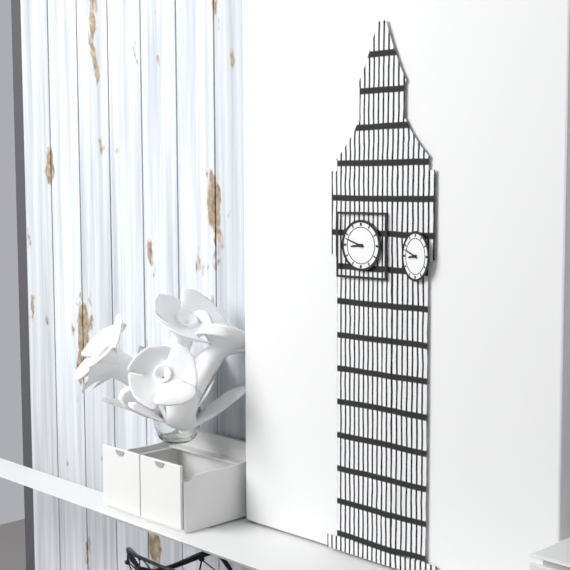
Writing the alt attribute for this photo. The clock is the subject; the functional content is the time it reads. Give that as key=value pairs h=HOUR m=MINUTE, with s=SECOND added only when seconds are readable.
h=8 m=48
